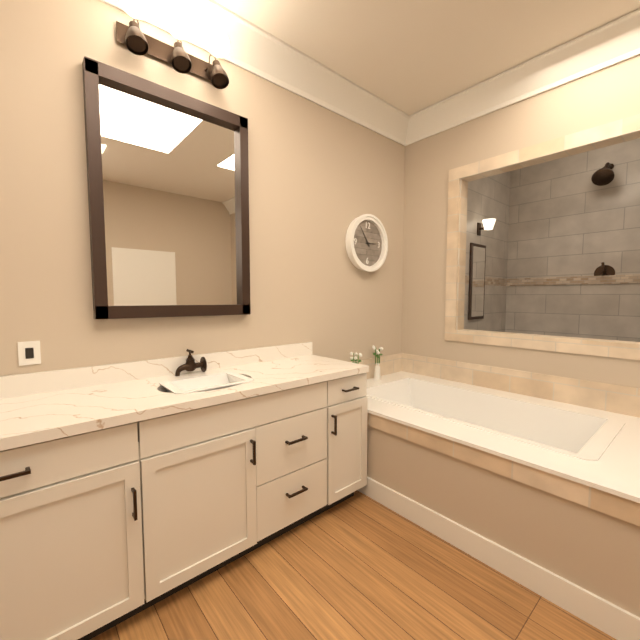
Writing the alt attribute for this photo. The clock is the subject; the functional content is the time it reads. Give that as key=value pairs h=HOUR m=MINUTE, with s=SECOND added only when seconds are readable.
h=2 m=54
